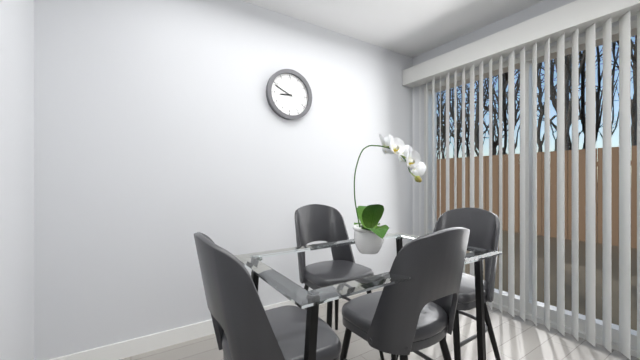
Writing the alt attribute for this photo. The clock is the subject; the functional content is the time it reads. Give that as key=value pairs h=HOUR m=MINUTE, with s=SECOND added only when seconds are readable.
h=8 m=49
